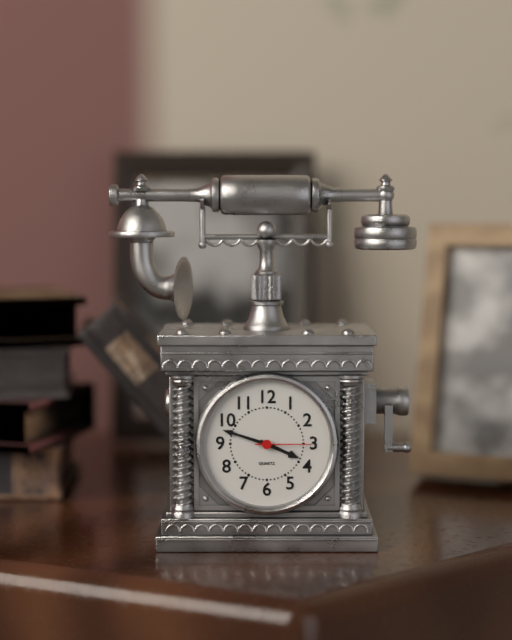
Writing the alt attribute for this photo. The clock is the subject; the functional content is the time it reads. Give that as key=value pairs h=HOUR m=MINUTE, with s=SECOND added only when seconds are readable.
h=3 m=48 s=15
